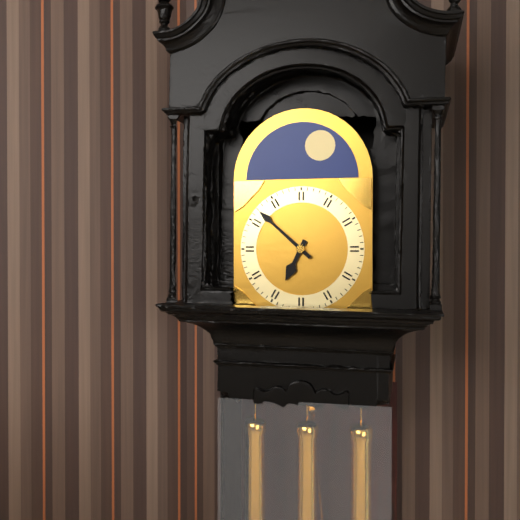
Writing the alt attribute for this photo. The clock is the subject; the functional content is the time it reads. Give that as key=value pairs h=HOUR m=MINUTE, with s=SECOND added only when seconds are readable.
h=6 m=52
